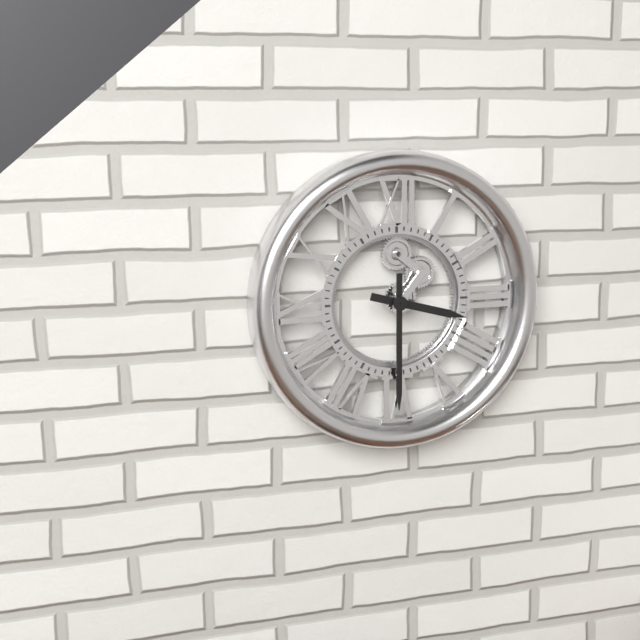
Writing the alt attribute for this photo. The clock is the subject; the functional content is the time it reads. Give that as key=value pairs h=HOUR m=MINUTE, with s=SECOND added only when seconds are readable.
h=3 m=30
